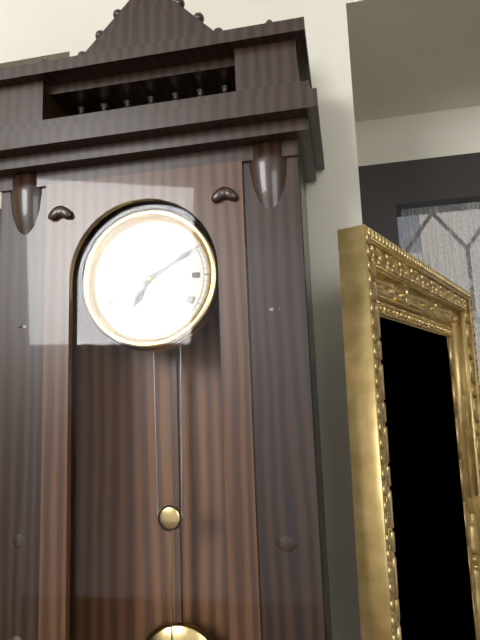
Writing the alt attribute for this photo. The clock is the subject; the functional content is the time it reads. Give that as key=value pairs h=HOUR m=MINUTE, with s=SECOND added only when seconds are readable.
h=7 m=10
